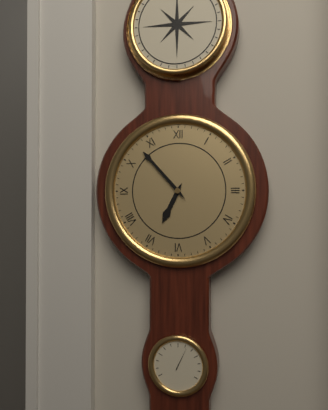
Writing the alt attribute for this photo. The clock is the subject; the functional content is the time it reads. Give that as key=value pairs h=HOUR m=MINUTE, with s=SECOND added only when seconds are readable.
h=6 m=53
